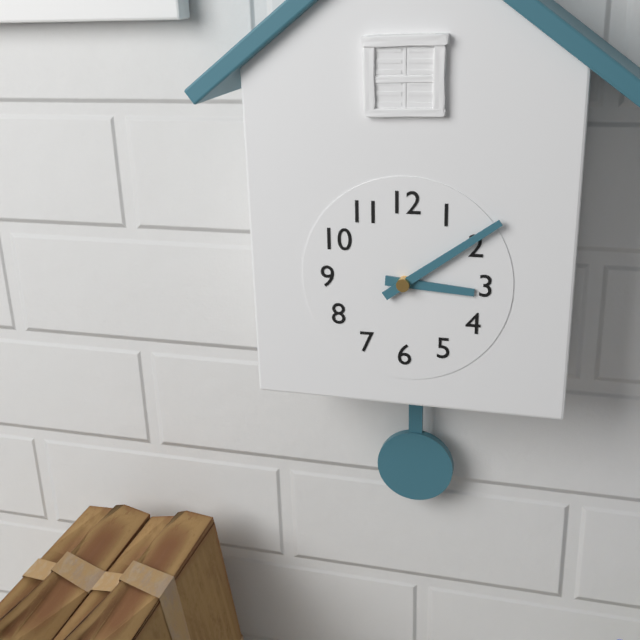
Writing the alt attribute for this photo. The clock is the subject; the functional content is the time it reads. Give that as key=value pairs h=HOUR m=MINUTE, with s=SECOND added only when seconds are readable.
h=3 m=9
